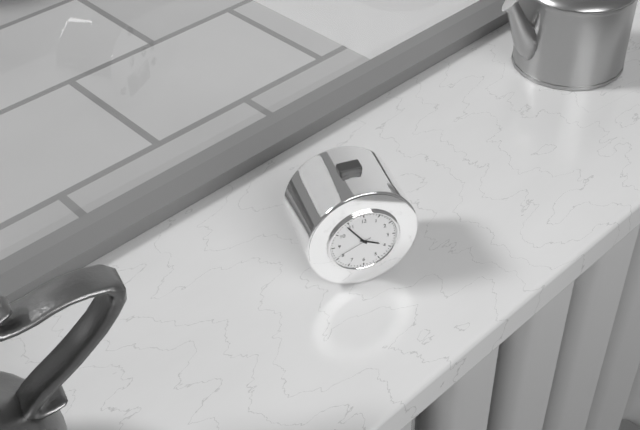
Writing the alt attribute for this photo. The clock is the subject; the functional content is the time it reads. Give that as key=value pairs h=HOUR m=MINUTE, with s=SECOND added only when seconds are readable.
h=3 m=54
